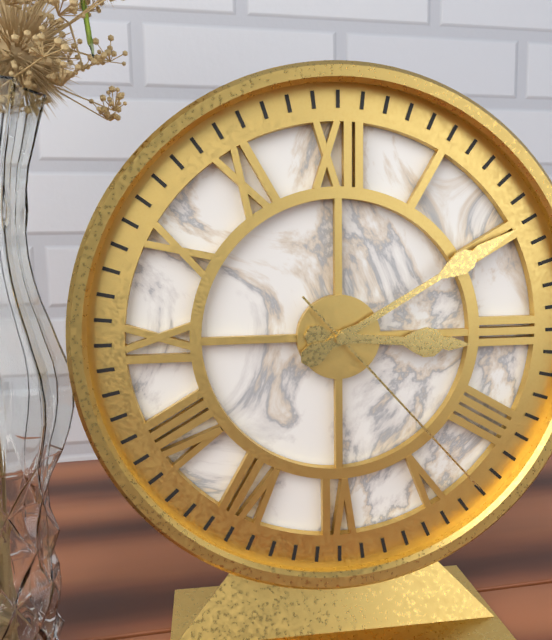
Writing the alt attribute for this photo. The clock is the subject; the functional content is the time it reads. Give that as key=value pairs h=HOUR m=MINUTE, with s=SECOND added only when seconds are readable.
h=3 m=10 s=23
